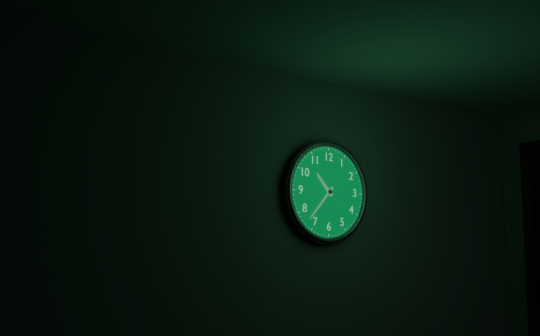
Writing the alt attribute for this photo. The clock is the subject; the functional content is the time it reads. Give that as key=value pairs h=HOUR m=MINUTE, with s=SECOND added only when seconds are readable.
h=10 m=37
